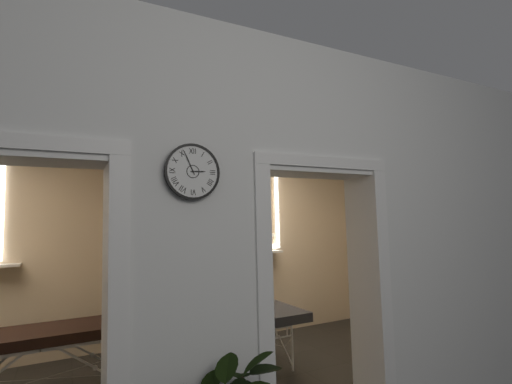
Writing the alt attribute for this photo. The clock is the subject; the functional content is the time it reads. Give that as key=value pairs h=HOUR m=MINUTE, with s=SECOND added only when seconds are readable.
h=2 m=56
